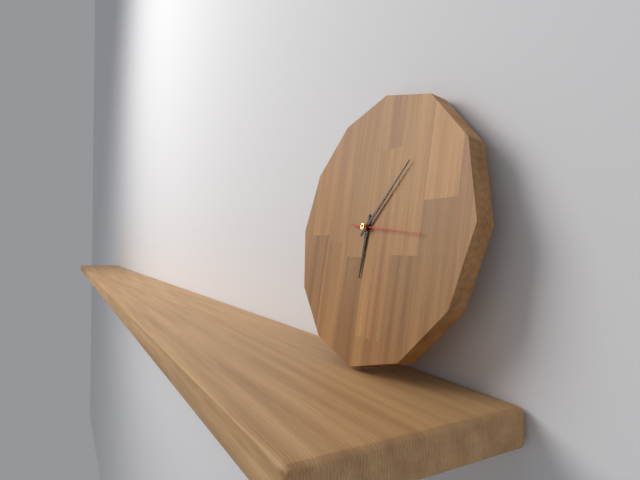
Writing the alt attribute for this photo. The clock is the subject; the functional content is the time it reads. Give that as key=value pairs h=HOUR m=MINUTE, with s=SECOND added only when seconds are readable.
h=6 m=7 s=16
